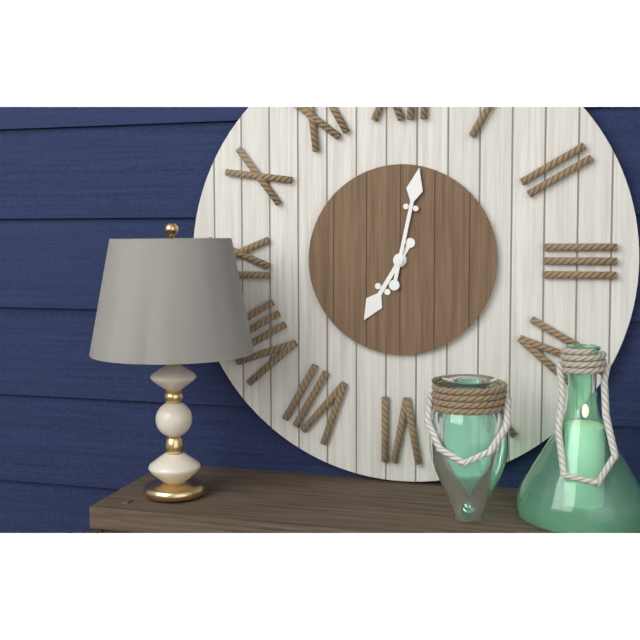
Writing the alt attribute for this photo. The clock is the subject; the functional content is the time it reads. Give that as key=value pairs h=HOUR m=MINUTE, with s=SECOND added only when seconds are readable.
h=7 m=2
